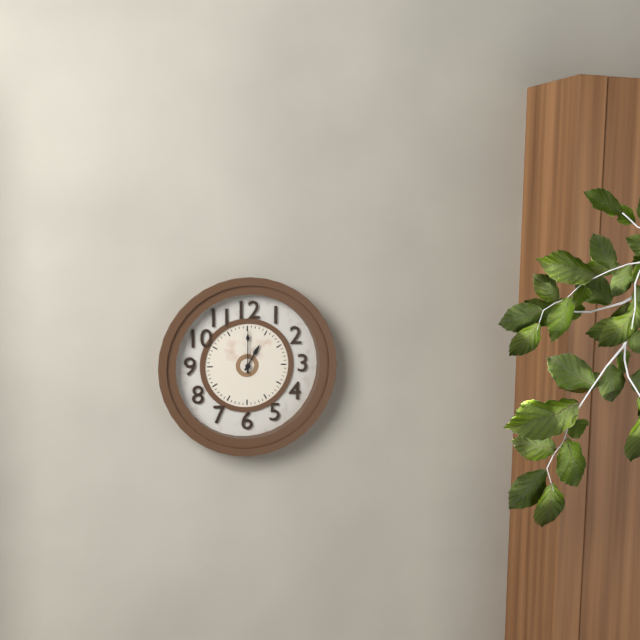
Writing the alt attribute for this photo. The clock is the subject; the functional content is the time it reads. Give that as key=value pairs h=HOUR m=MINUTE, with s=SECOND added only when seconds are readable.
h=1 m=0
